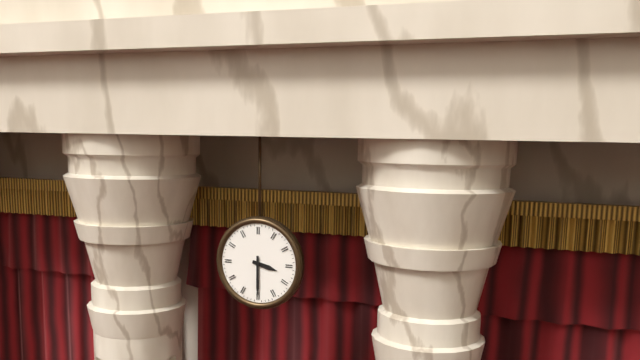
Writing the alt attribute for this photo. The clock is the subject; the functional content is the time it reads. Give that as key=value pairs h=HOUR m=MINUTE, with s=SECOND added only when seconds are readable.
h=3 m=30
